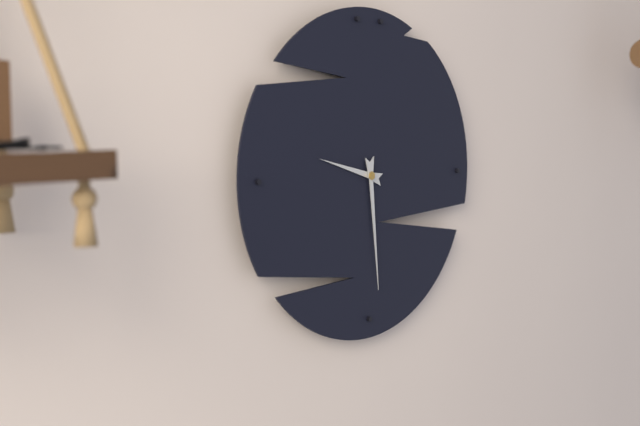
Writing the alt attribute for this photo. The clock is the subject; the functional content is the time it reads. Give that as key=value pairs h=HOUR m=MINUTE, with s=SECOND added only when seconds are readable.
h=9 m=29
